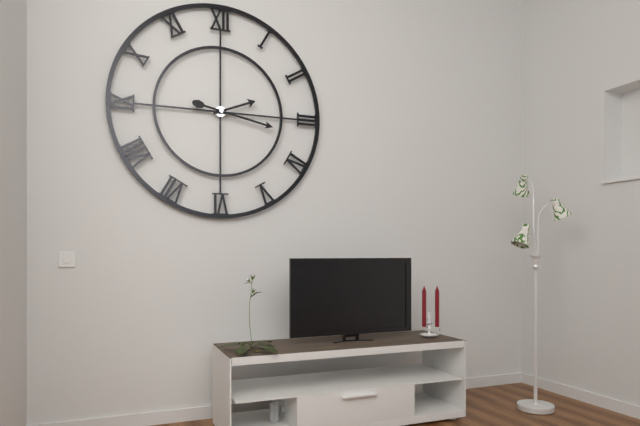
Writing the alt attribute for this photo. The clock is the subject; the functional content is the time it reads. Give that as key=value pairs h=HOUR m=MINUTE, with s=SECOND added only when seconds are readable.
h=2 m=17
